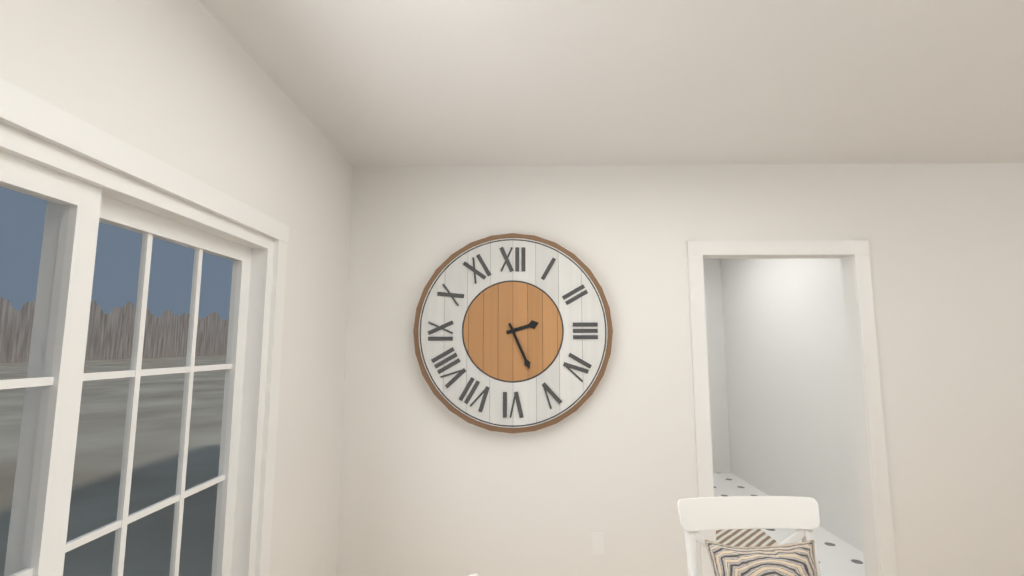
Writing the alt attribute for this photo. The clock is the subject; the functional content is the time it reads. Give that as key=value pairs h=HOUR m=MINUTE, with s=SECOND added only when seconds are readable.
h=2 m=26
